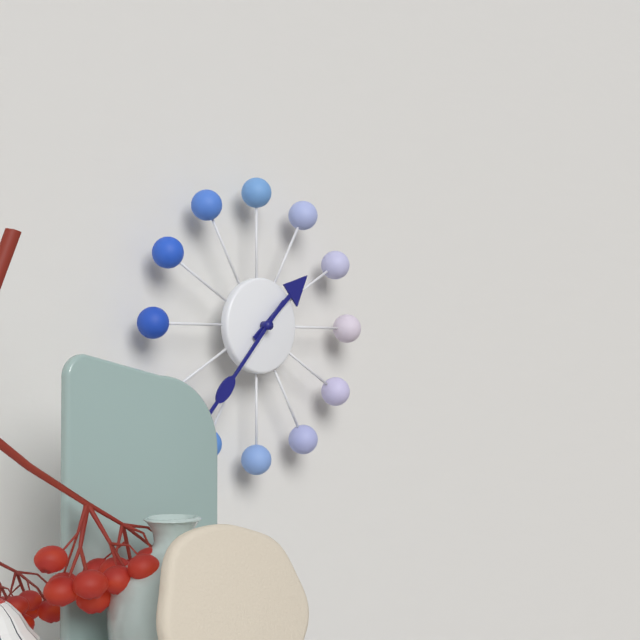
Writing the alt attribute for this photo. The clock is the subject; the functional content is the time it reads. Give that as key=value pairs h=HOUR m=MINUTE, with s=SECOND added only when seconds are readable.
h=1 m=37
